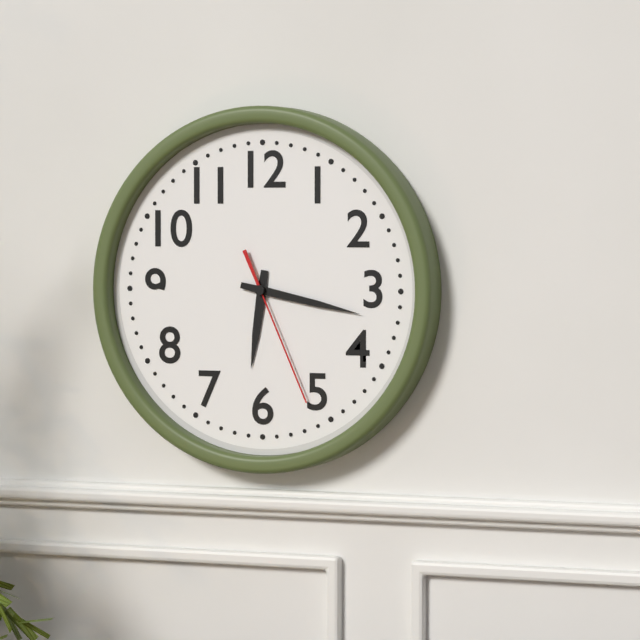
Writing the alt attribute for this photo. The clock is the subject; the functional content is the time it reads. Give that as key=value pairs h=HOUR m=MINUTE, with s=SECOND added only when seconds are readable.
h=6 m=17 s=26
